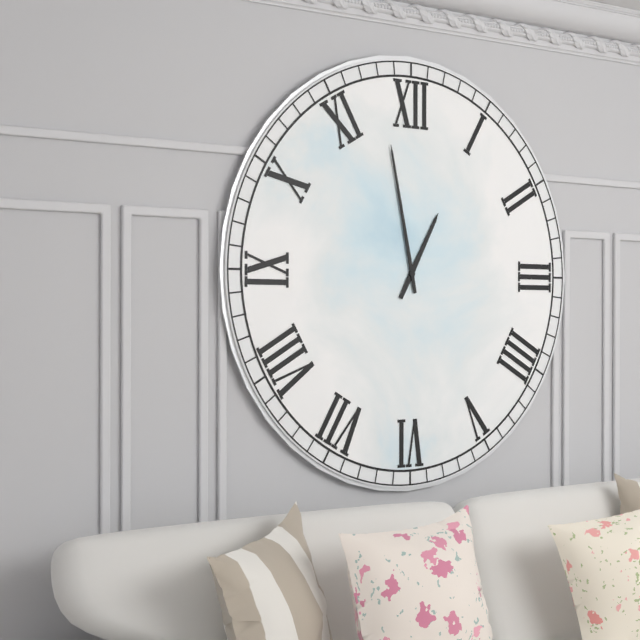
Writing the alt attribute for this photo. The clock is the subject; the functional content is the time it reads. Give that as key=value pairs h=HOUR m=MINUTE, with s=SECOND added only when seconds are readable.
h=12 m=58
